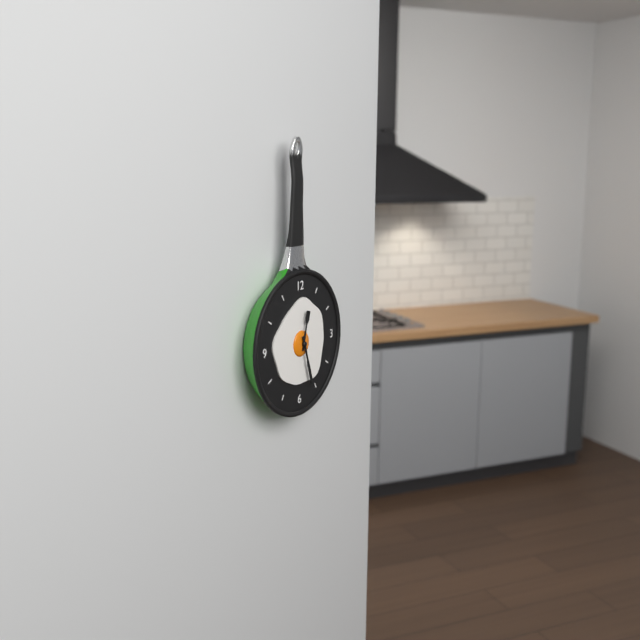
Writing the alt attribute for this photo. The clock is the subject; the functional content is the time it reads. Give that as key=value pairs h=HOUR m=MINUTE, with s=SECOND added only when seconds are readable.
h=12 m=27
